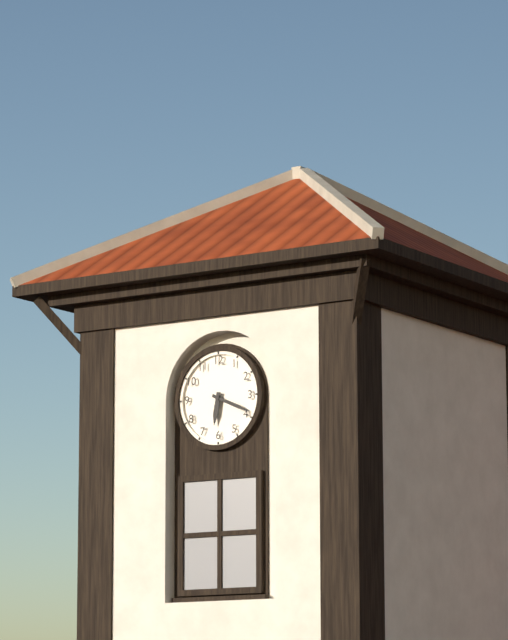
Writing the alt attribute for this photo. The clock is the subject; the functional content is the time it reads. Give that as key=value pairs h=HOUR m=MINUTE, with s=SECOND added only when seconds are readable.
h=6 m=19
